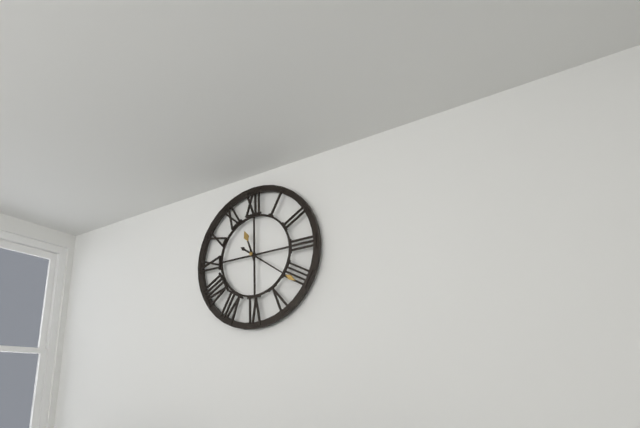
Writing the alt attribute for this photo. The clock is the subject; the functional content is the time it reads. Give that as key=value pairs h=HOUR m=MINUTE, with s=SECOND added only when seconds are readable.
h=11 m=21
